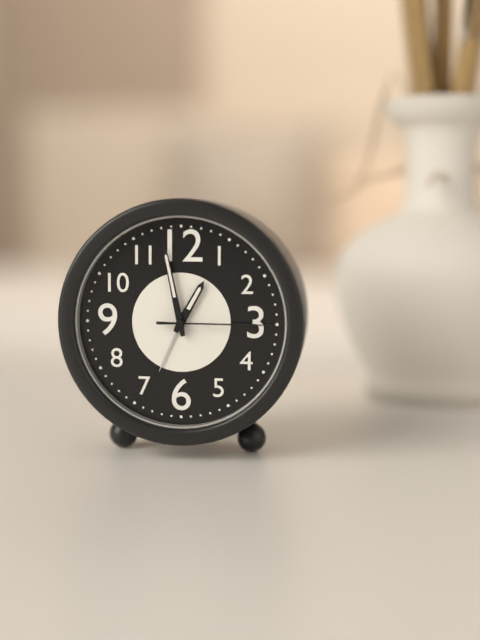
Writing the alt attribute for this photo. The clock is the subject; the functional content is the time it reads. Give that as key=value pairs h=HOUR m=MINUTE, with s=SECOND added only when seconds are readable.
h=12 m=58 s=15
